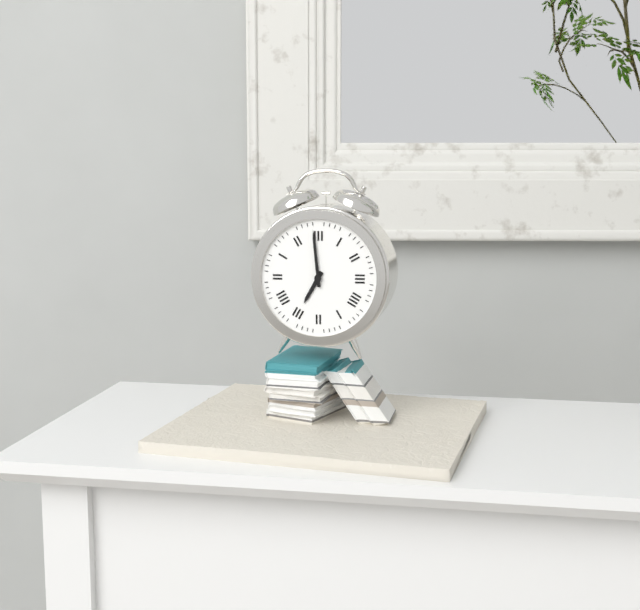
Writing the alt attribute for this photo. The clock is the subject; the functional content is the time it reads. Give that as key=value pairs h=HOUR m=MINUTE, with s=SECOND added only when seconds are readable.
h=6 m=59
